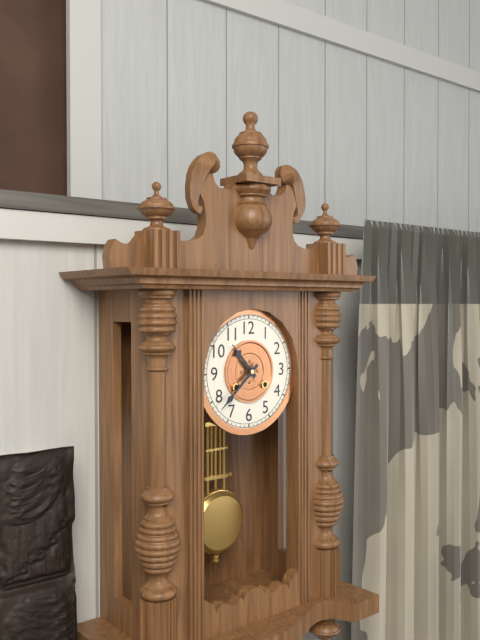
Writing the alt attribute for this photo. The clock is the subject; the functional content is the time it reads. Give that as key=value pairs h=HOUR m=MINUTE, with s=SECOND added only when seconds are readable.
h=10 m=38
